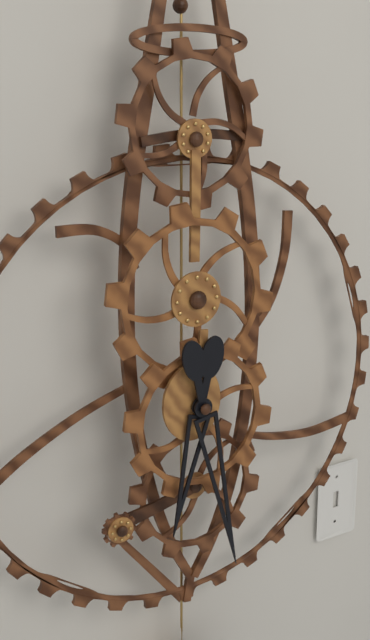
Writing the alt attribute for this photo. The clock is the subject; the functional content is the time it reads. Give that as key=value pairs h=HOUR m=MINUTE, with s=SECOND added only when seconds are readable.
h=6 m=28
